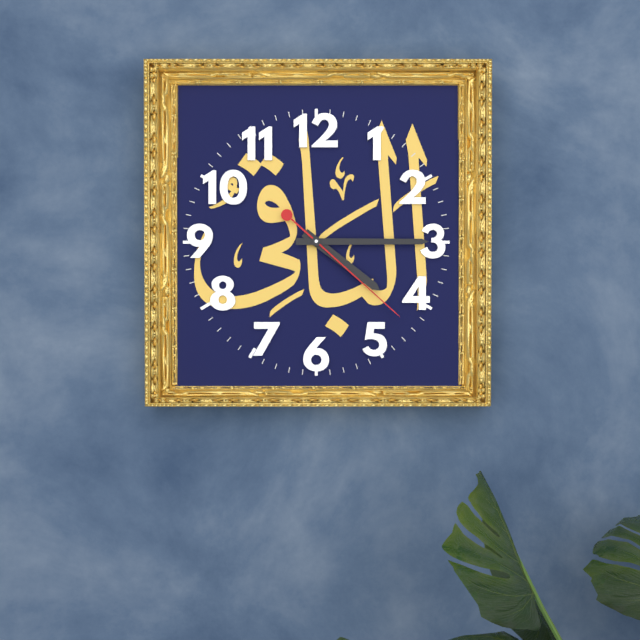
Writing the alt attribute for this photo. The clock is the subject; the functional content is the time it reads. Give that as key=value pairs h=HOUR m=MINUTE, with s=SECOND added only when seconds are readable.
h=4 m=15 s=22
